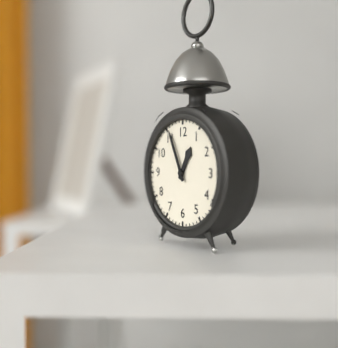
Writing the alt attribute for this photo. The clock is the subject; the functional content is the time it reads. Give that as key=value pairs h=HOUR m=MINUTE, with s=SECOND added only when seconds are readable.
h=12 m=56
